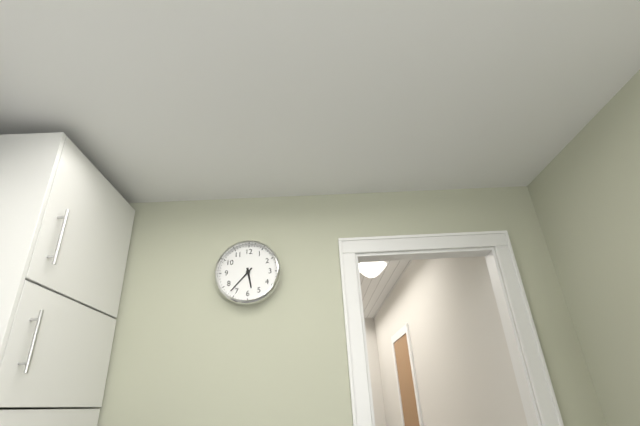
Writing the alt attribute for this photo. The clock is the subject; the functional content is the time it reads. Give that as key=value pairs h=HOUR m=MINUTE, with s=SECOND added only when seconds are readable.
h=5 m=37
